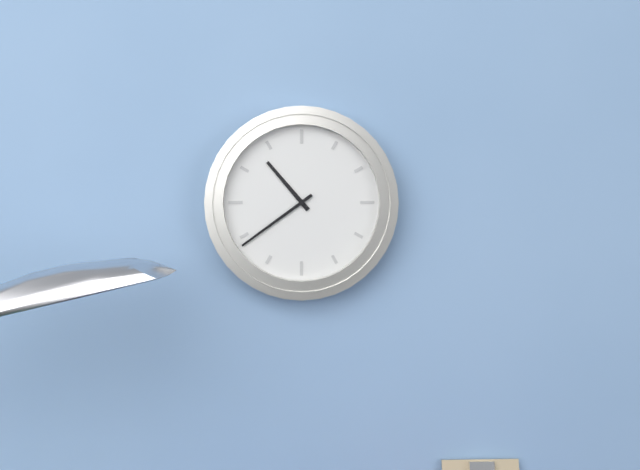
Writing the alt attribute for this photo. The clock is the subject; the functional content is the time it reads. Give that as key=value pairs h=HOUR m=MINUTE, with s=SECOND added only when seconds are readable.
h=10 m=39
